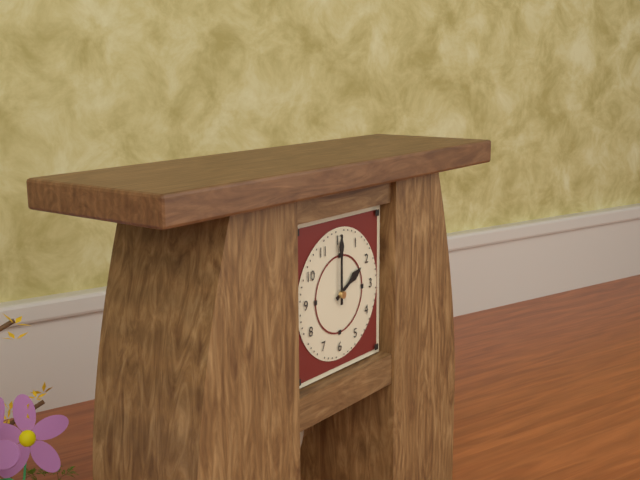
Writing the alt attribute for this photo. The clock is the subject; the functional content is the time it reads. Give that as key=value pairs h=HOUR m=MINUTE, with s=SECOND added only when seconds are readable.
h=2 m=0
